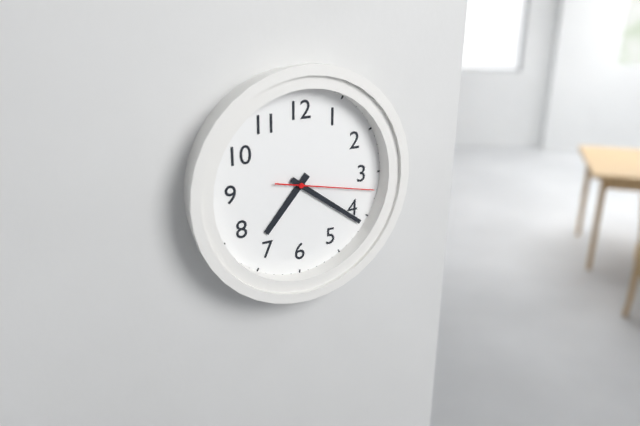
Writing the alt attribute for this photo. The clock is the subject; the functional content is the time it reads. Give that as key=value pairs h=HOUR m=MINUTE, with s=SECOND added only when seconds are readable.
h=7 m=21 s=17
